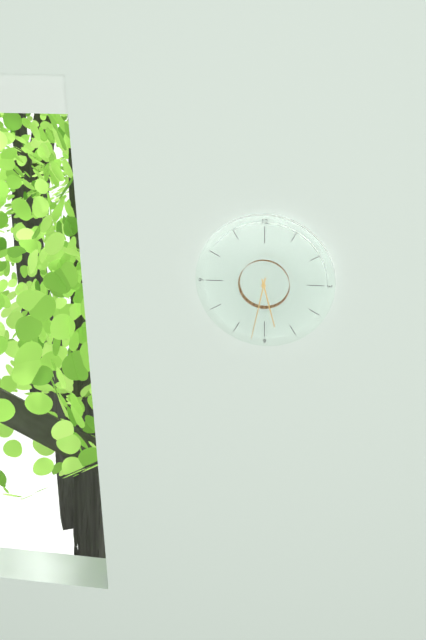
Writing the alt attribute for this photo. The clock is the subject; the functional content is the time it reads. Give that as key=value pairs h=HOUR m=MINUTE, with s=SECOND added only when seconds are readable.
h=5 m=32
